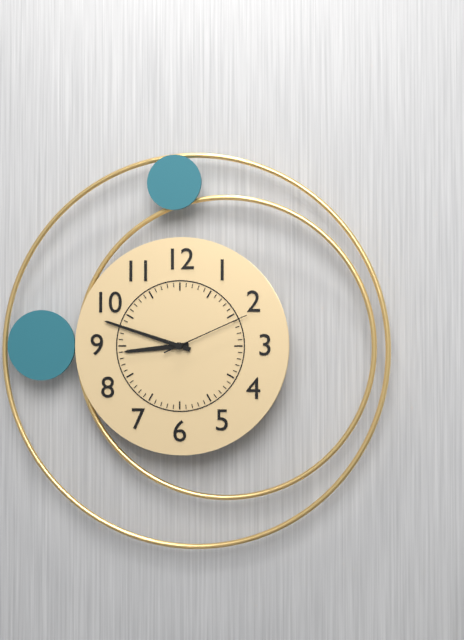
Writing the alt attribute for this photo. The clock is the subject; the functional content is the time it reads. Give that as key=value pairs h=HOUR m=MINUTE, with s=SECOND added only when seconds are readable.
h=8 m=48 s=11
